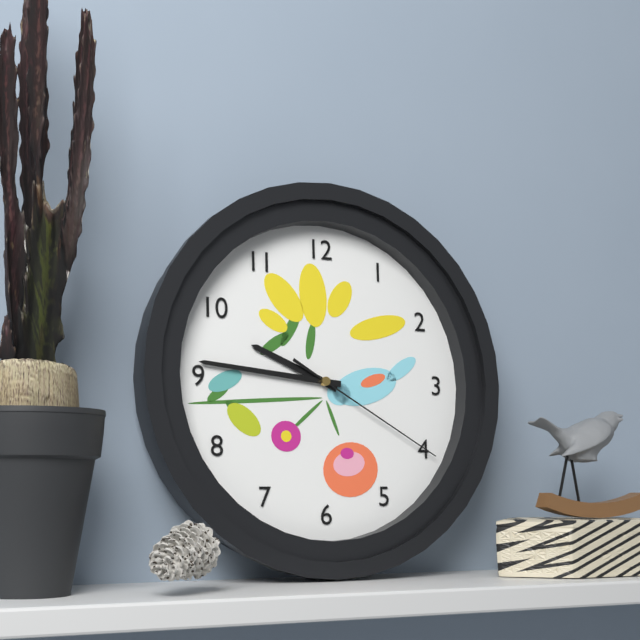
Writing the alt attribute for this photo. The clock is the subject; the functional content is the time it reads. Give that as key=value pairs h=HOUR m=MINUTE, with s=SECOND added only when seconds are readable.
h=9 m=46 s=20
